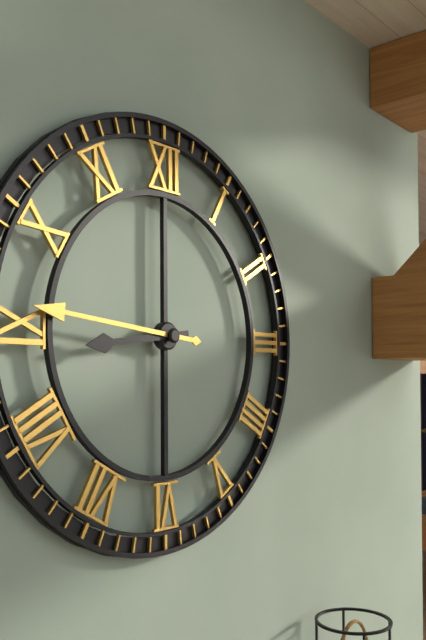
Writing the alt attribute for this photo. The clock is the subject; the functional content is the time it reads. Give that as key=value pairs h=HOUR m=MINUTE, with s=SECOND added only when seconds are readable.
h=8 m=46
